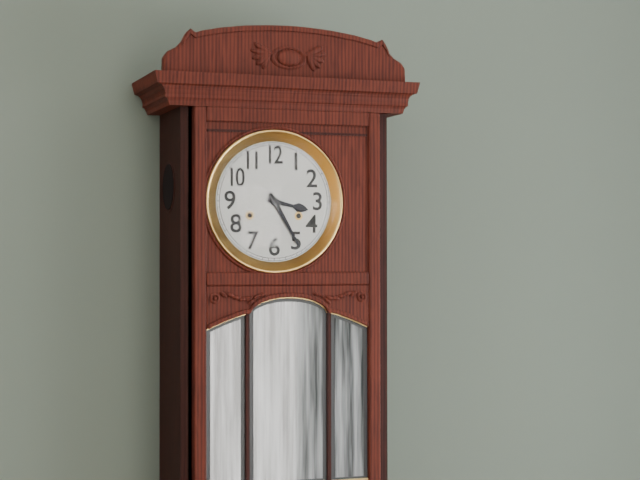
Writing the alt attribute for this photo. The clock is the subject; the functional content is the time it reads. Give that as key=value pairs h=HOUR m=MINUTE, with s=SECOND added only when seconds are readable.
h=3 m=25
